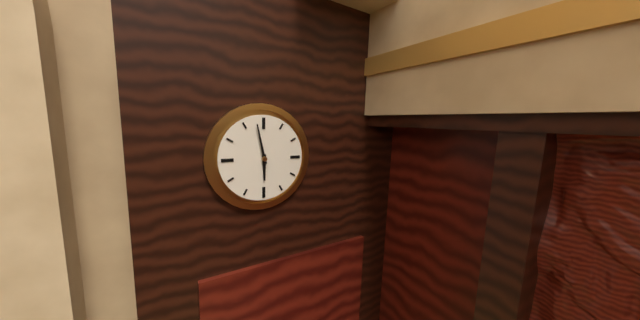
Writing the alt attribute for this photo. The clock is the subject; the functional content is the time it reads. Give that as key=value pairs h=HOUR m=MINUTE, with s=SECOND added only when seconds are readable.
h=5 m=58
